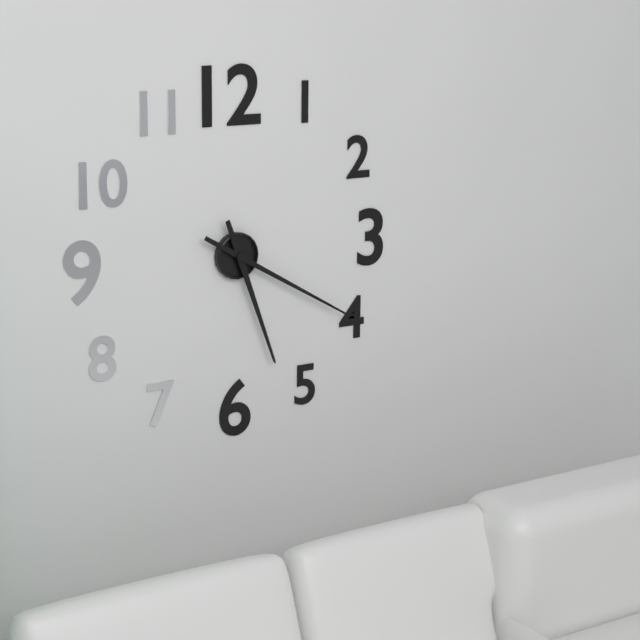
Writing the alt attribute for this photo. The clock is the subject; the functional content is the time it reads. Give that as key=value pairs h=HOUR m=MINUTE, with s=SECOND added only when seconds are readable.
h=5 m=20
